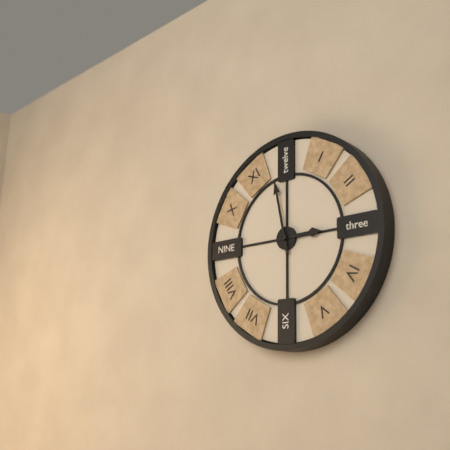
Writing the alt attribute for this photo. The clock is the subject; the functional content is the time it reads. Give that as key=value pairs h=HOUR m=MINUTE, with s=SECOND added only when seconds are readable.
h=2 m=58
